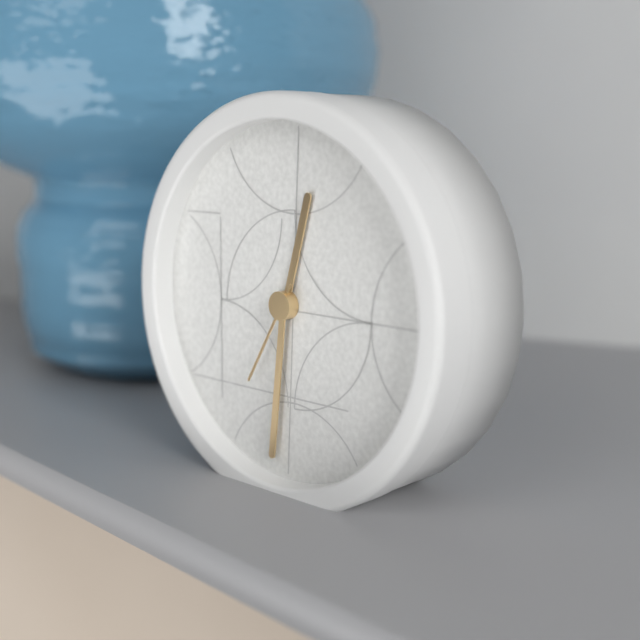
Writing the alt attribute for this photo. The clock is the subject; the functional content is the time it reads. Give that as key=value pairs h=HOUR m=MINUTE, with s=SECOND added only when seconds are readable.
h=12 m=31 s=35
